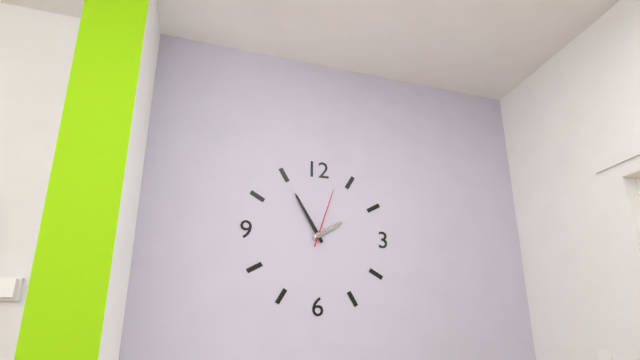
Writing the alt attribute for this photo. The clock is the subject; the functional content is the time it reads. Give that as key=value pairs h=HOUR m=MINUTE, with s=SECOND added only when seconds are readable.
h=1 m=55 s=3
